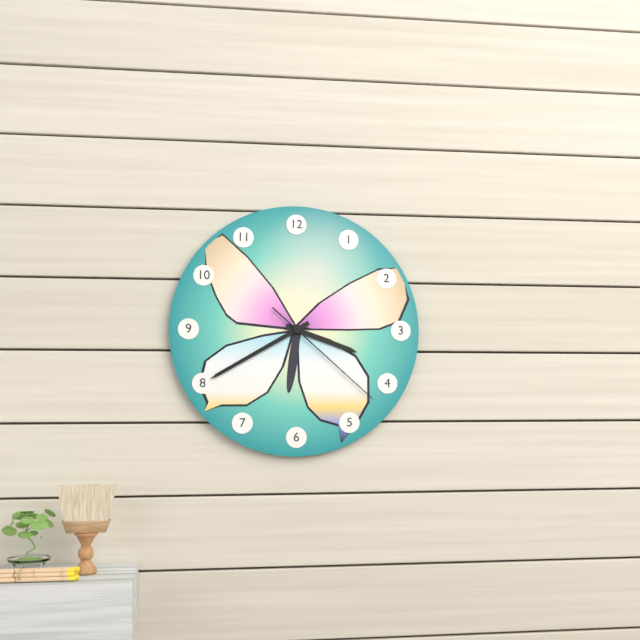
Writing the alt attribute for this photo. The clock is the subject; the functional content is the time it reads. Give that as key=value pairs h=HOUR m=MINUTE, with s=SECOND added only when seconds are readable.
h=3 m=40 s=22
